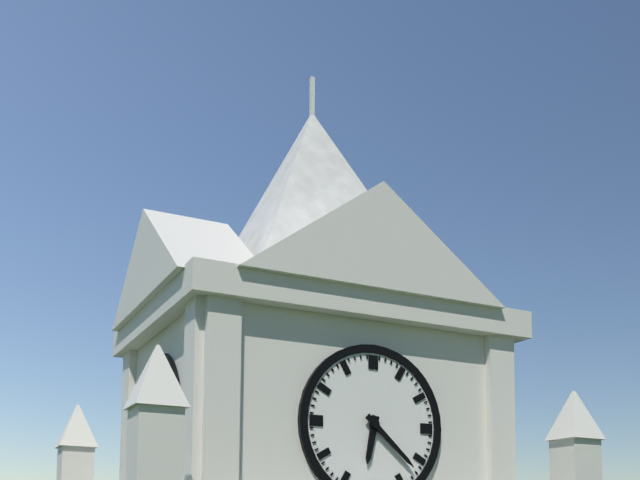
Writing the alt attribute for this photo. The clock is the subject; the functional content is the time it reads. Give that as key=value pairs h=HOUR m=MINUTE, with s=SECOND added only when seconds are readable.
h=6 m=22
